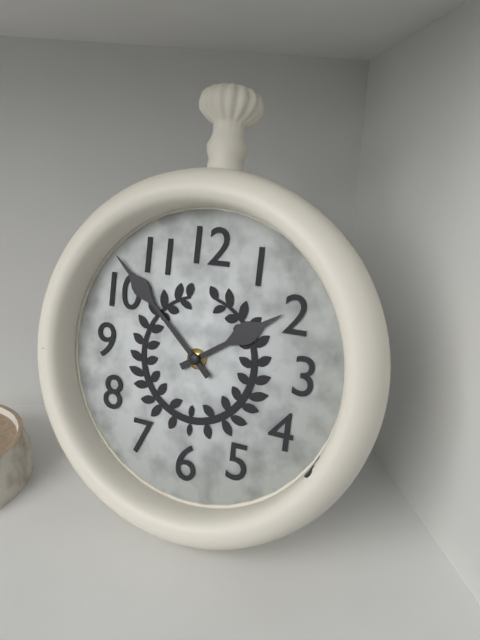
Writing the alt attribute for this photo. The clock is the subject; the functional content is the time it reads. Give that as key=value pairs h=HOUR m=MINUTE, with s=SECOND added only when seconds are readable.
h=1 m=52
